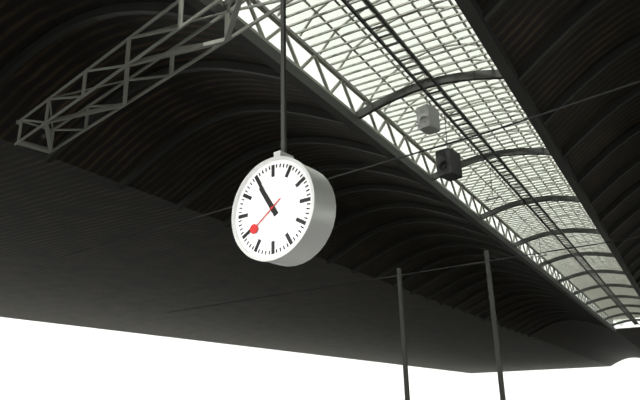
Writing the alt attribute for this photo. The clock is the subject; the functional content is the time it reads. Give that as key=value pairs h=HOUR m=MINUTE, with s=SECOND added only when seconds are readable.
h=10 m=55
